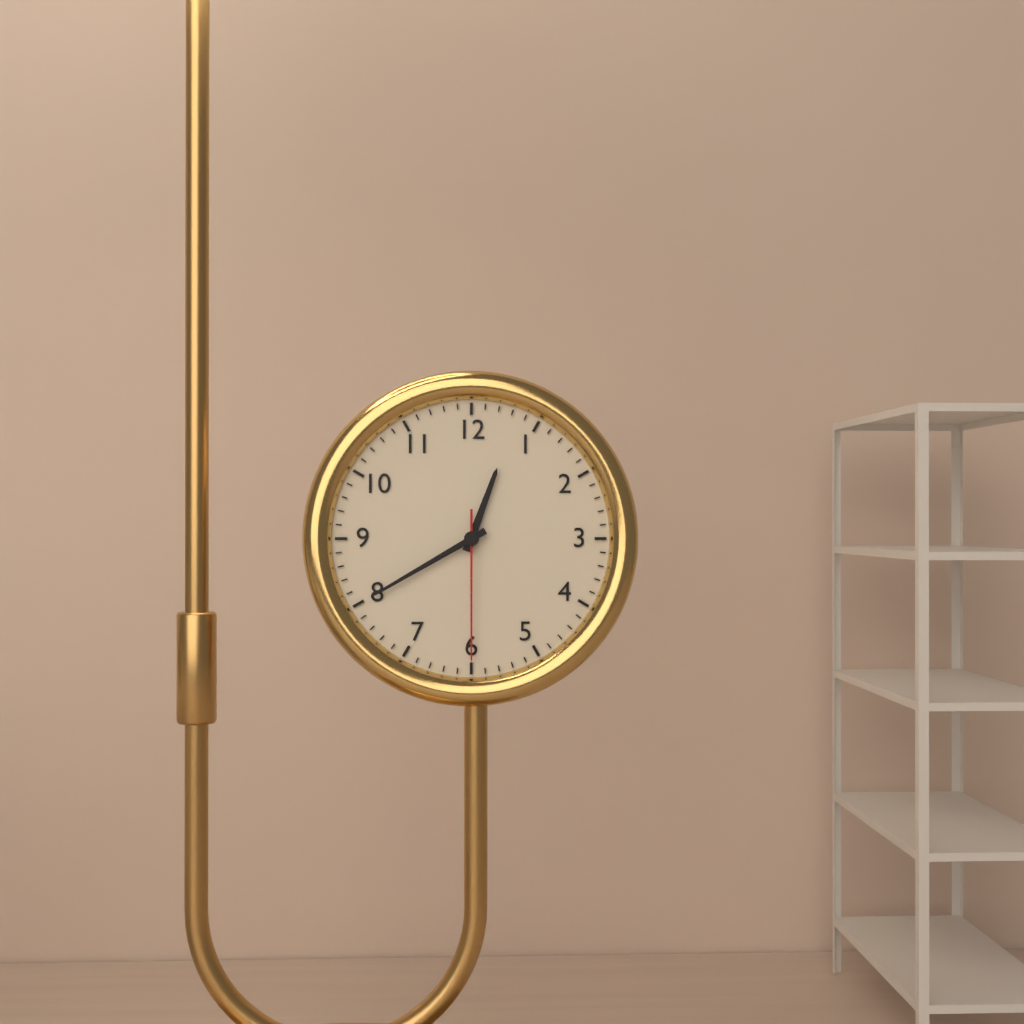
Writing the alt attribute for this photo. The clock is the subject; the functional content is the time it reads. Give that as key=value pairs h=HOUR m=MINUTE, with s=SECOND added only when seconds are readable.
h=12 m=40 s=30
